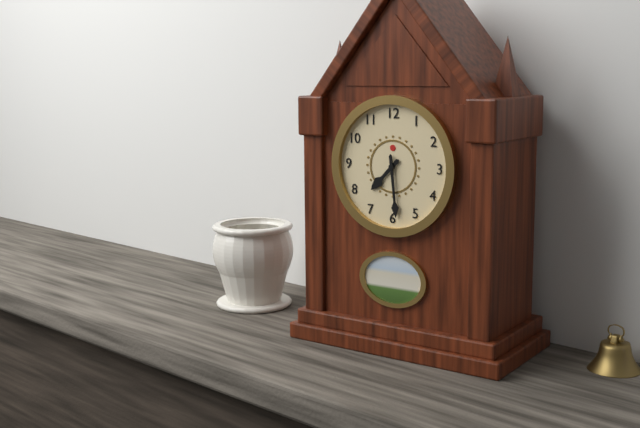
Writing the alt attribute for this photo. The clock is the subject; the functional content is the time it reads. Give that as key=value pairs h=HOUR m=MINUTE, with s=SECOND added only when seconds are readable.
h=7 m=29
